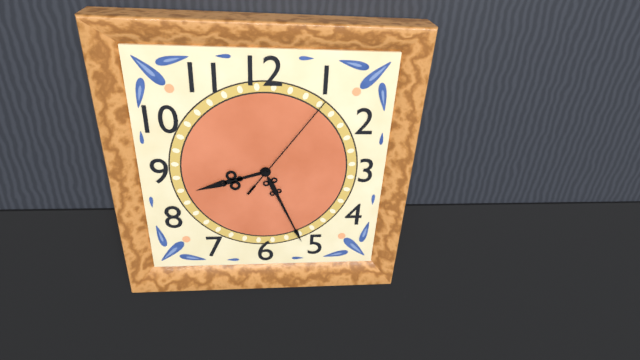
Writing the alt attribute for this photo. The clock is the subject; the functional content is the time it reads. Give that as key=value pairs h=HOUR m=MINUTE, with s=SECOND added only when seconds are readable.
h=8 m=26 s=6
